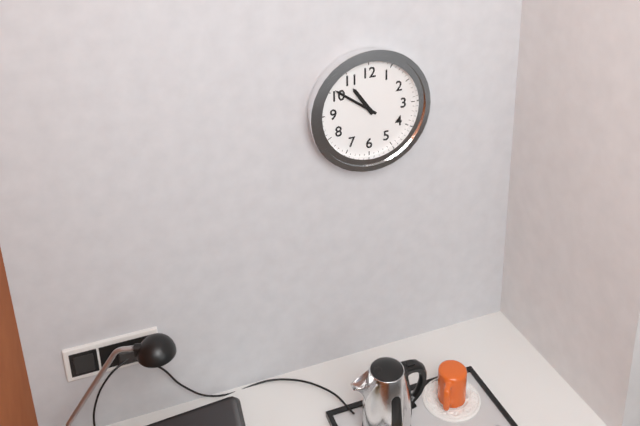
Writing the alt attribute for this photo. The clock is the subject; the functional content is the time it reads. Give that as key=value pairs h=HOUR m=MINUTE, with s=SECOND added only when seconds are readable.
h=10 m=51
